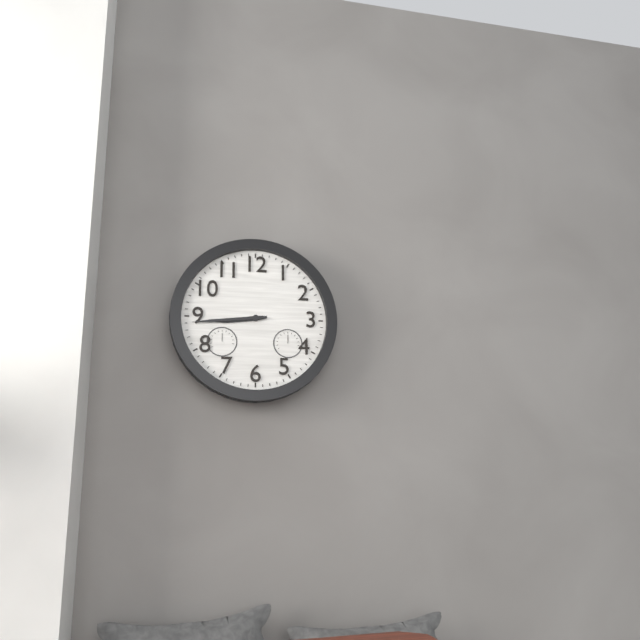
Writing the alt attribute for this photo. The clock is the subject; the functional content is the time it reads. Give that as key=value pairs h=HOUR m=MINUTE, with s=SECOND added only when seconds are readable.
h=8 m=44
